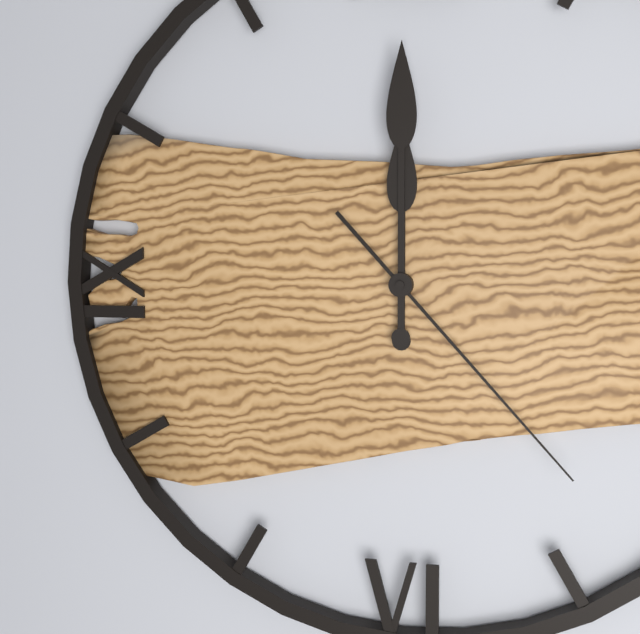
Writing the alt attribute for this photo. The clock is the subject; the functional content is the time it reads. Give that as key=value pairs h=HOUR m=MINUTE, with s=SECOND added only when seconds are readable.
h=12 m=0 s=23
